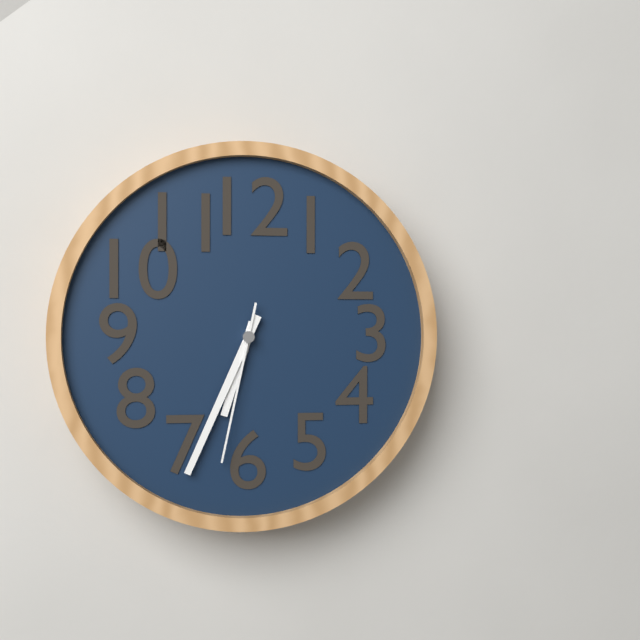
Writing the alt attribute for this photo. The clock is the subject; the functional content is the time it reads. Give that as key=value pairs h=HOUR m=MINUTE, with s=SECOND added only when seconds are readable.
h=6 m=34 s=32
